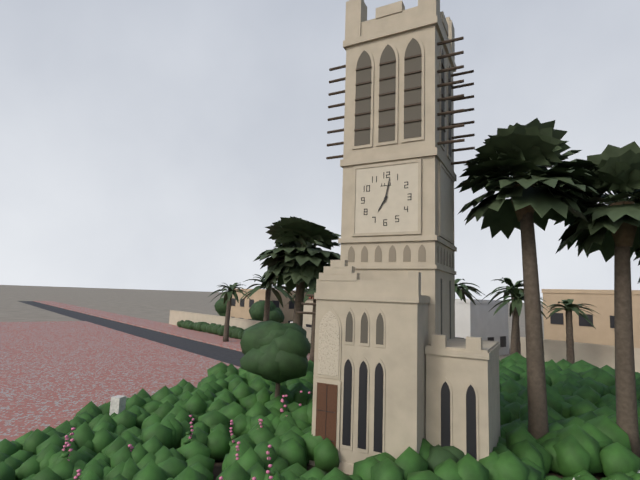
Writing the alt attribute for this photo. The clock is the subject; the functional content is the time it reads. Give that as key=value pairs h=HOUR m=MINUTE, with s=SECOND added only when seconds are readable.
h=7 m=2
